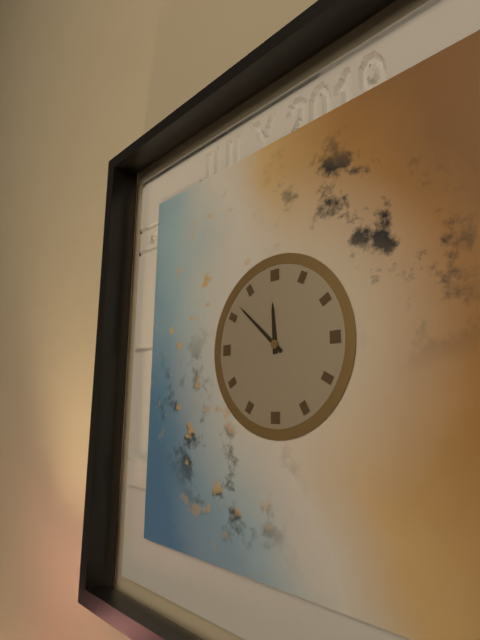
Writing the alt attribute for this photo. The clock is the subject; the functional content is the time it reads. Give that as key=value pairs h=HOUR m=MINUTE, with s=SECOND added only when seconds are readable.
h=11 m=52
